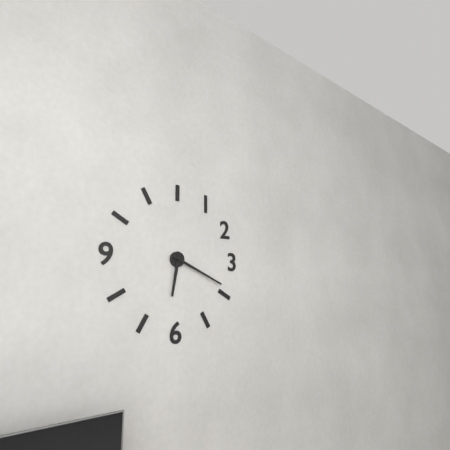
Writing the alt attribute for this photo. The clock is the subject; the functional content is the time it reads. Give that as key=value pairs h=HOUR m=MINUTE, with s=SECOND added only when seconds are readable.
h=6 m=19
